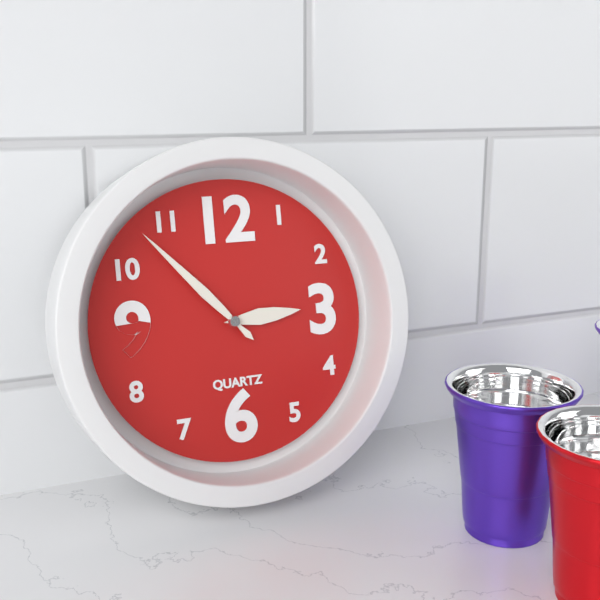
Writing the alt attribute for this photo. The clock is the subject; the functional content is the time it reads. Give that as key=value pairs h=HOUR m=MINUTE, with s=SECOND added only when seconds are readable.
h=2 m=53
